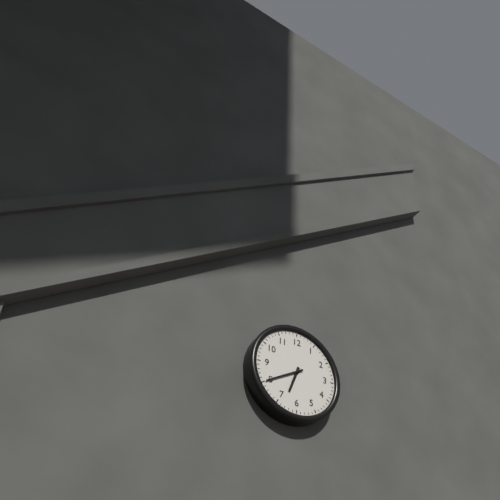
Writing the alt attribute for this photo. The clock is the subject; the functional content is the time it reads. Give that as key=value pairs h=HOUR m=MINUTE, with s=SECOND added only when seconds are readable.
h=6 m=40
